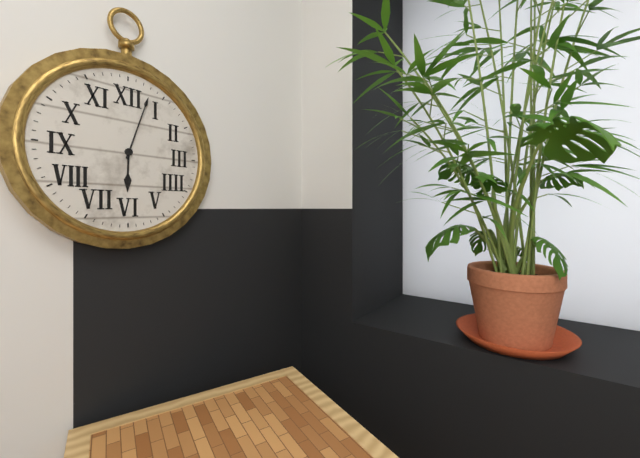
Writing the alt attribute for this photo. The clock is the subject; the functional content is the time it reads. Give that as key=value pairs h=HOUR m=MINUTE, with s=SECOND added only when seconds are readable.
h=6 m=3
